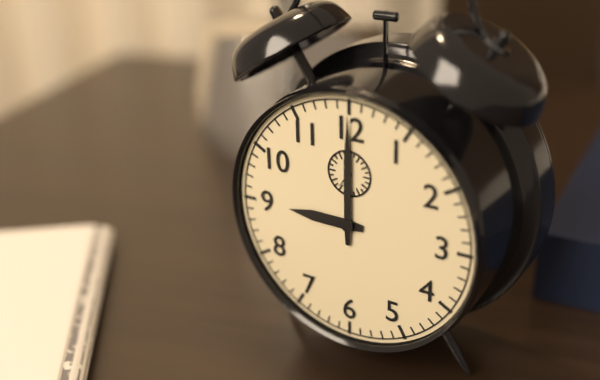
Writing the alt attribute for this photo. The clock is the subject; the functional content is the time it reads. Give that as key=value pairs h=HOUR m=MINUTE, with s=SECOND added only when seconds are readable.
h=9 m=0
